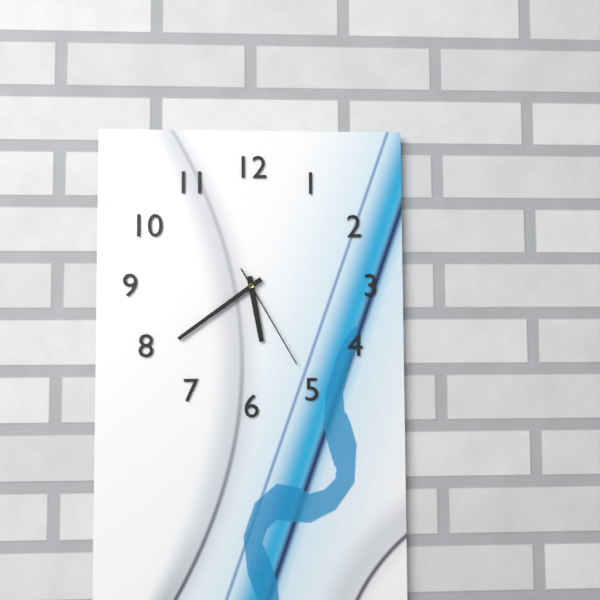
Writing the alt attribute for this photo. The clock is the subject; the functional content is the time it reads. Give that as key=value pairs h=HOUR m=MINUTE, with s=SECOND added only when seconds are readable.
h=5 m=39 s=25
